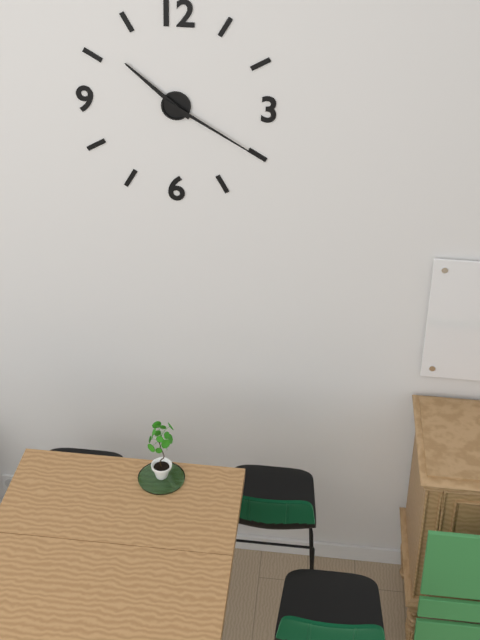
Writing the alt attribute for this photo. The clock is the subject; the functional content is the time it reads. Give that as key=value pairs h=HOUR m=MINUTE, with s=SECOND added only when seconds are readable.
h=10 m=20
